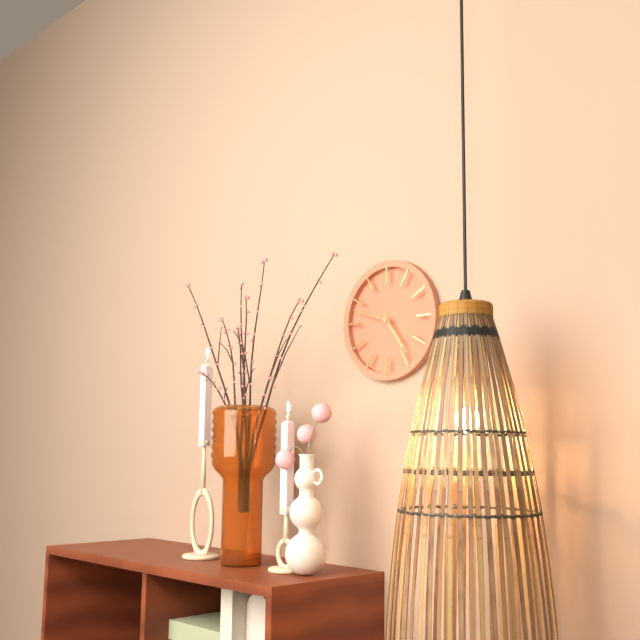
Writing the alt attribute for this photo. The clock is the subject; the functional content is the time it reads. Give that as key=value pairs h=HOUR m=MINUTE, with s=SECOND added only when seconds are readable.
h=4 m=48
